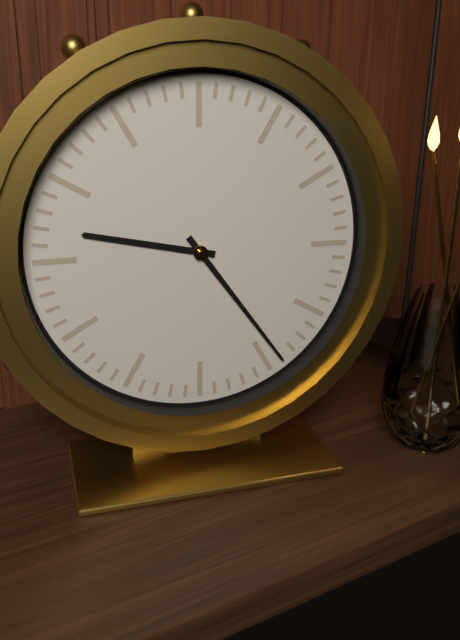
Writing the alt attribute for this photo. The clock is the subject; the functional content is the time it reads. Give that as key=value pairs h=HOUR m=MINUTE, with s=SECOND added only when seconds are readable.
h=9 m=24
